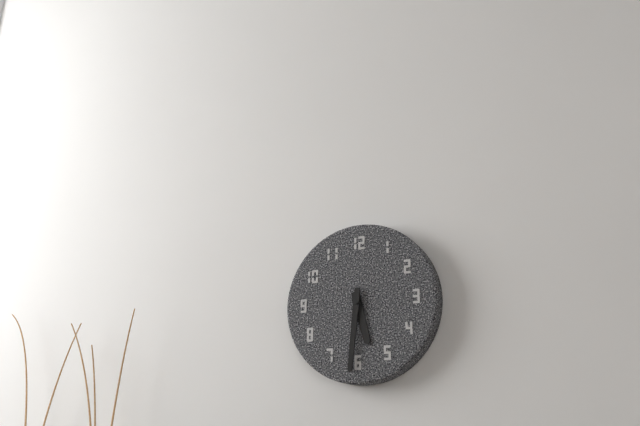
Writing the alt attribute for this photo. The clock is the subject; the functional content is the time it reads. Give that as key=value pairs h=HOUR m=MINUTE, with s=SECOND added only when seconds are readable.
h=5 m=31
